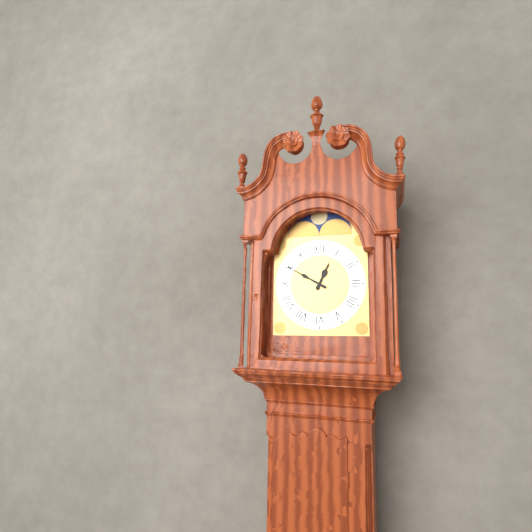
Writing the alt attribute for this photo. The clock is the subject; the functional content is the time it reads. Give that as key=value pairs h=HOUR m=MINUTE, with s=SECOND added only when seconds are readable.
h=12 m=50
